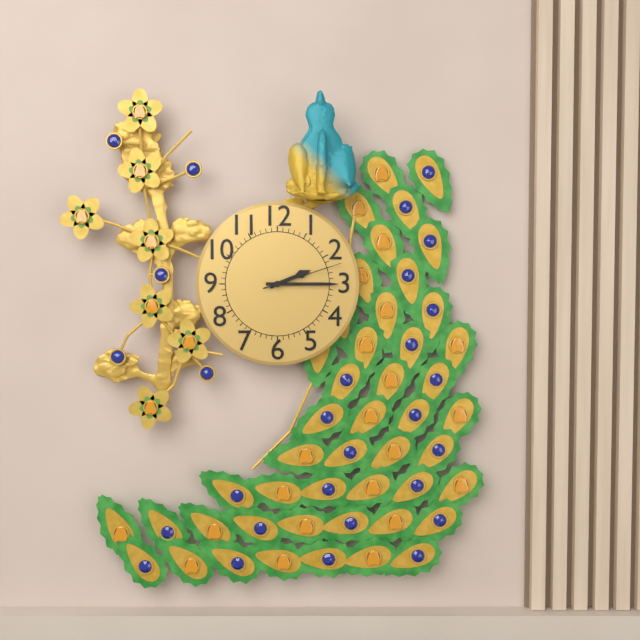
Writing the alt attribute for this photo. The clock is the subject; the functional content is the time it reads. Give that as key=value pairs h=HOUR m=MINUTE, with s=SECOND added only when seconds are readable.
h=2 m=15 s=12
